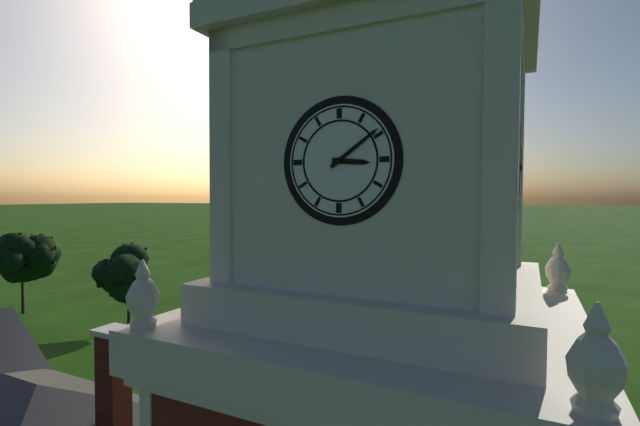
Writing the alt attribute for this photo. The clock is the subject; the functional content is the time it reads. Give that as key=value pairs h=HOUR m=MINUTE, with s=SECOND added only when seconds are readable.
h=3 m=9
